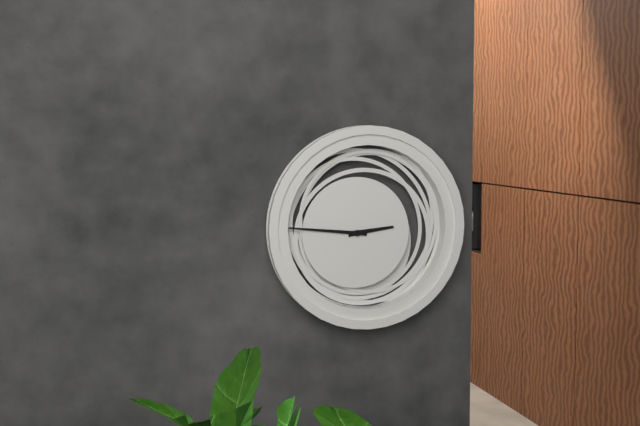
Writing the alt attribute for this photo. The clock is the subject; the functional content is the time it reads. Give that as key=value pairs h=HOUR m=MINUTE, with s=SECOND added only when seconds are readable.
h=2 m=46
